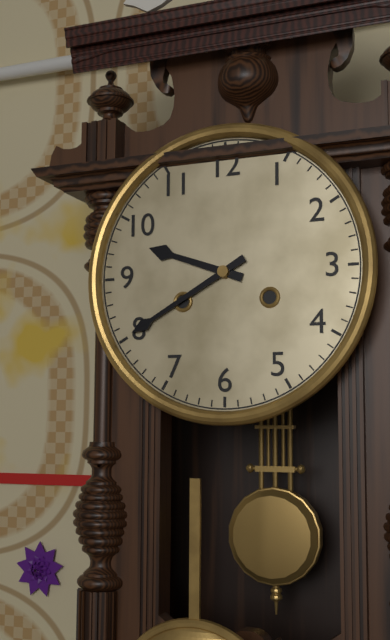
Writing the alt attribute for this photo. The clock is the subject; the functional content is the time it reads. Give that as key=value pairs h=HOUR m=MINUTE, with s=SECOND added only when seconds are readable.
h=9 m=40
